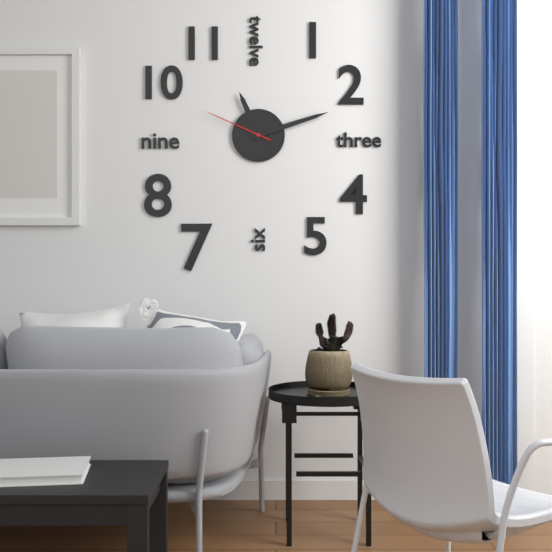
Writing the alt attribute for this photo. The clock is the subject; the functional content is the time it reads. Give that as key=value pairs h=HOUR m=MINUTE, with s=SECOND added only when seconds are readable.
h=11 m=12 s=49
